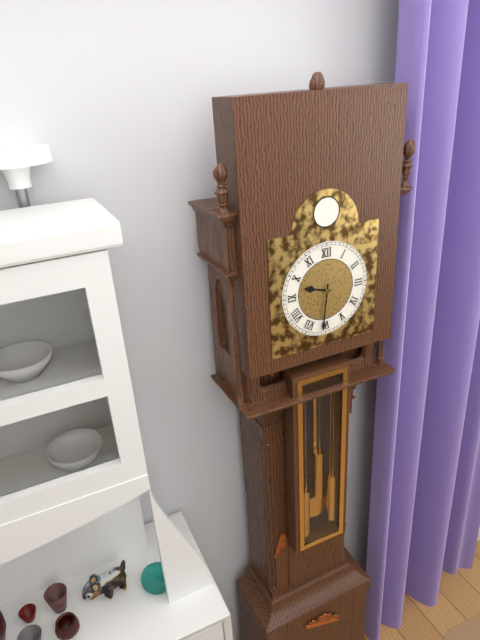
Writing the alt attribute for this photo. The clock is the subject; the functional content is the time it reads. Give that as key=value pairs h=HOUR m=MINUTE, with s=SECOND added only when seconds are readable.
h=9 m=31
